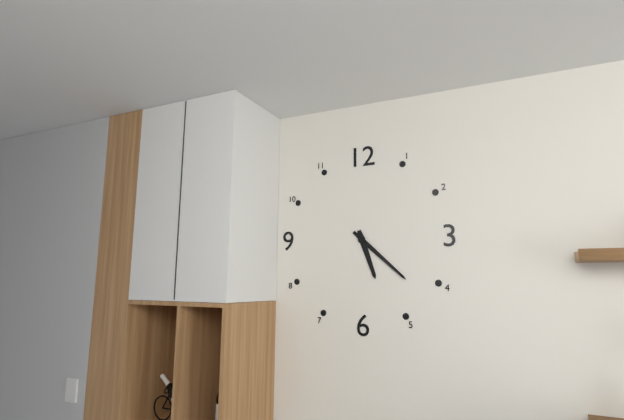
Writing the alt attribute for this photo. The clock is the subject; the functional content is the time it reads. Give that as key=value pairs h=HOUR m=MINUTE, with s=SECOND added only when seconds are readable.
h=5 m=22
